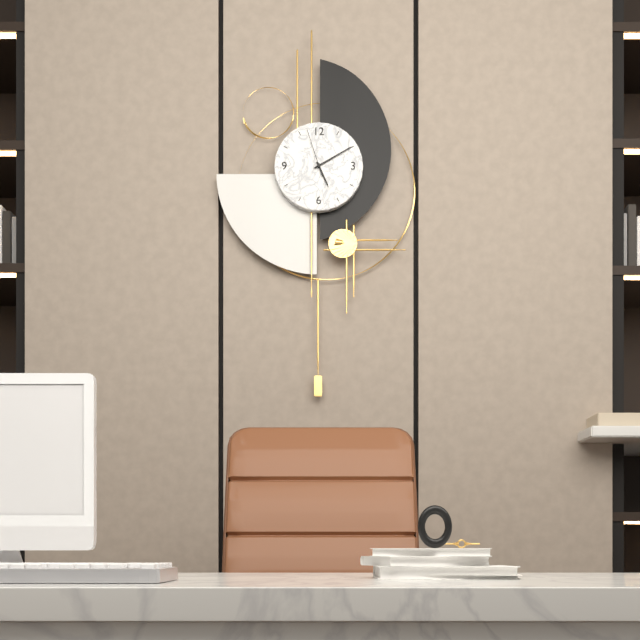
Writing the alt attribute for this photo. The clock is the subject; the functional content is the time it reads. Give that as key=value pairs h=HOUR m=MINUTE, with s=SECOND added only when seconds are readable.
h=5 m=10
